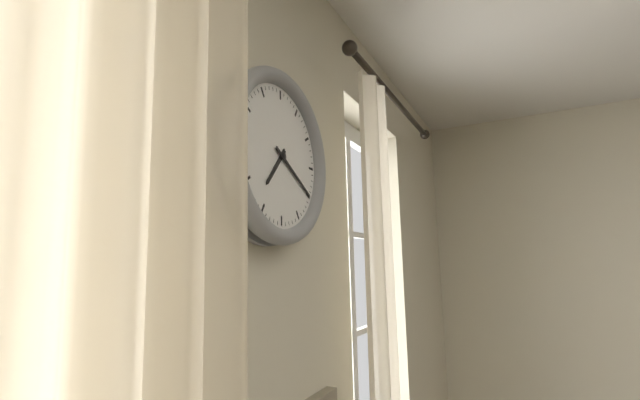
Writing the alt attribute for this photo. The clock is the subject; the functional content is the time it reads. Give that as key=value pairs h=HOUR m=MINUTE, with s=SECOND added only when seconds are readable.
h=7 m=20
